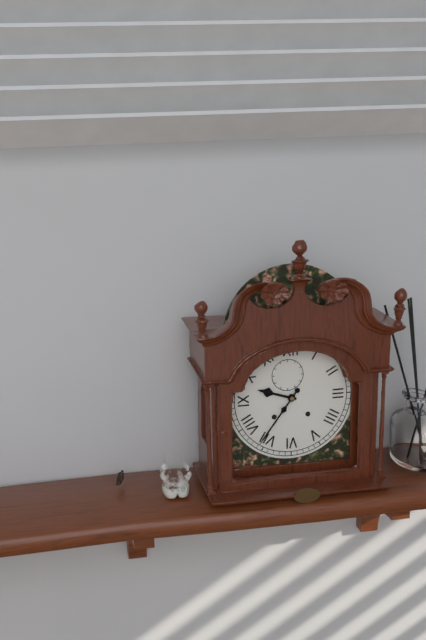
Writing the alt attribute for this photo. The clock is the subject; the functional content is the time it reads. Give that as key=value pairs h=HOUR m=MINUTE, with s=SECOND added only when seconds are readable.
h=9 m=36
